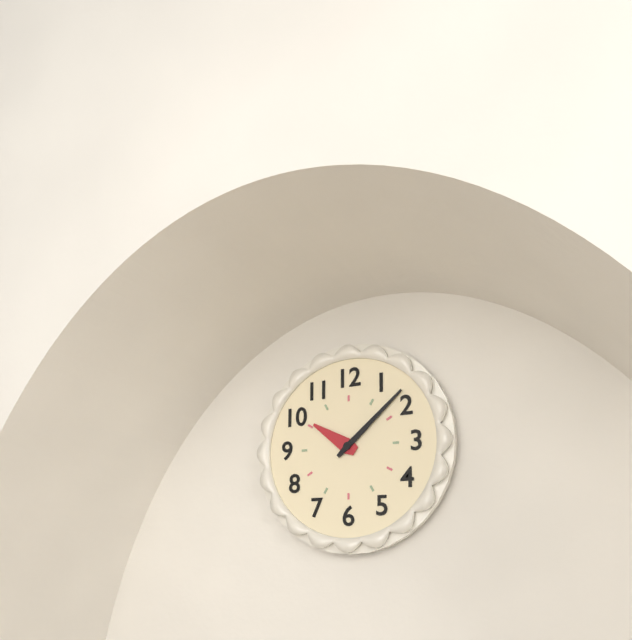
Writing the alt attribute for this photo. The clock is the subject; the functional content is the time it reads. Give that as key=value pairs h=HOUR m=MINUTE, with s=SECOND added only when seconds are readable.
h=10 m=8
